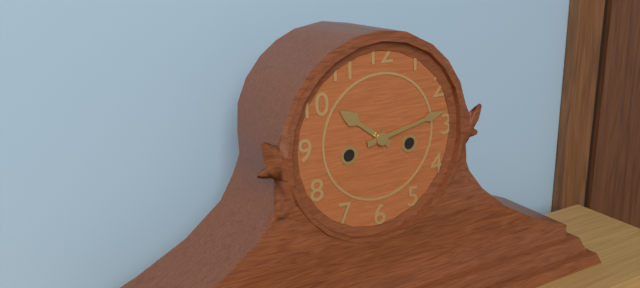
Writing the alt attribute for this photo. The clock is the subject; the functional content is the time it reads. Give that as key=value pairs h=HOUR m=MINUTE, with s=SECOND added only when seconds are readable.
h=10 m=13
